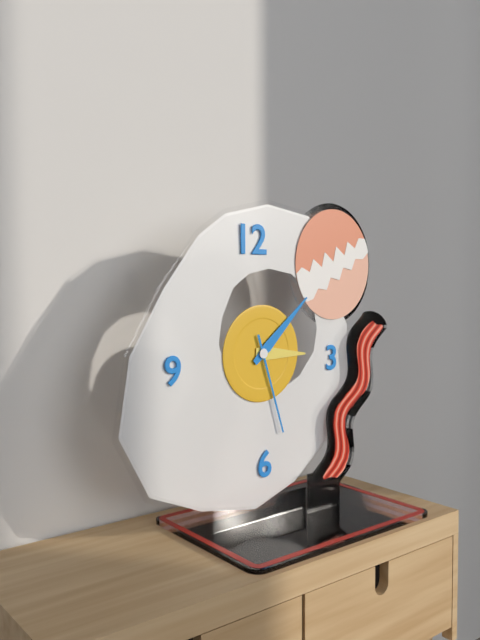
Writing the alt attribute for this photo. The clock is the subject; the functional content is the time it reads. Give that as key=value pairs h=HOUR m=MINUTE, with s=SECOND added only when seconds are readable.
h=3 m=8 s=27
